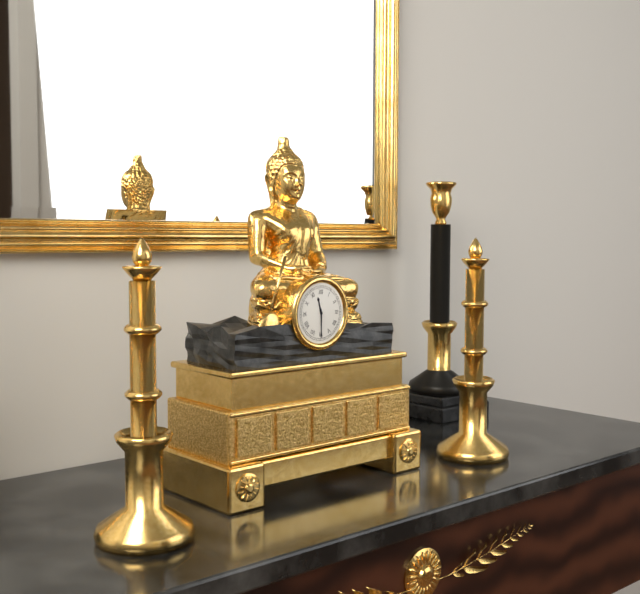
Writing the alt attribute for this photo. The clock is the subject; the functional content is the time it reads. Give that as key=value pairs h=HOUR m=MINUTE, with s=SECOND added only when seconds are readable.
h=11 m=30
